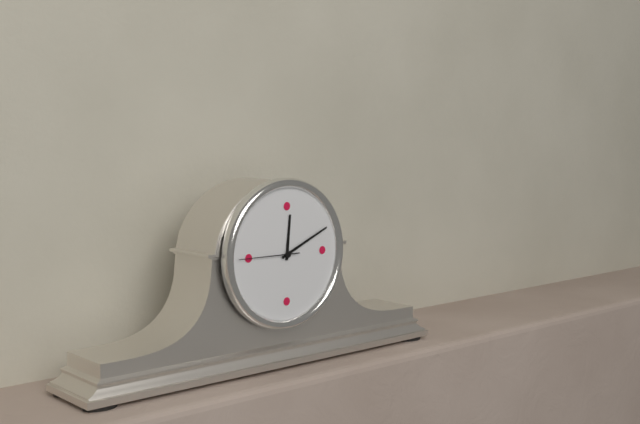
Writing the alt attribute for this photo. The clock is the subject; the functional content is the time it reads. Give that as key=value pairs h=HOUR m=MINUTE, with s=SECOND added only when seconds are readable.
h=12 m=11 s=45
